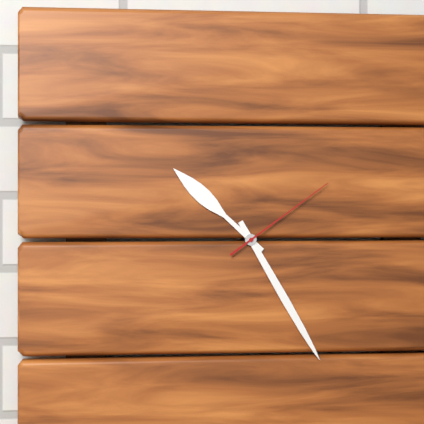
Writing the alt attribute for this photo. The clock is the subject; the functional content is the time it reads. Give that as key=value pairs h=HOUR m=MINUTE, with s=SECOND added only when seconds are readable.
h=10 m=25 s=9
